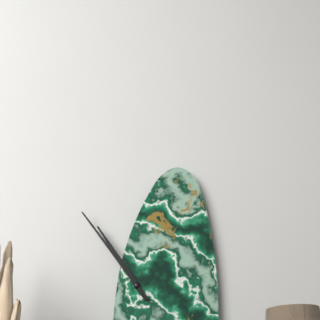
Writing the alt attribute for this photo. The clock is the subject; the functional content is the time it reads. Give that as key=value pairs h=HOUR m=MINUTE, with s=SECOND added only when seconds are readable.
h=10 m=54
